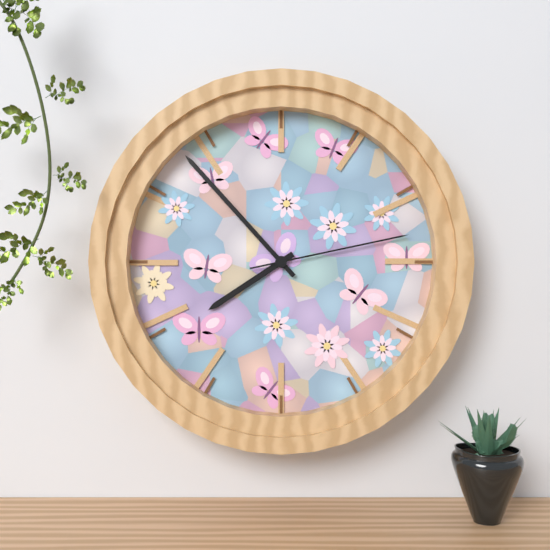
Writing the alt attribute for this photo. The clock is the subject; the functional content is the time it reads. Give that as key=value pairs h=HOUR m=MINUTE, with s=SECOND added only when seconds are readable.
h=7 m=53 s=13
